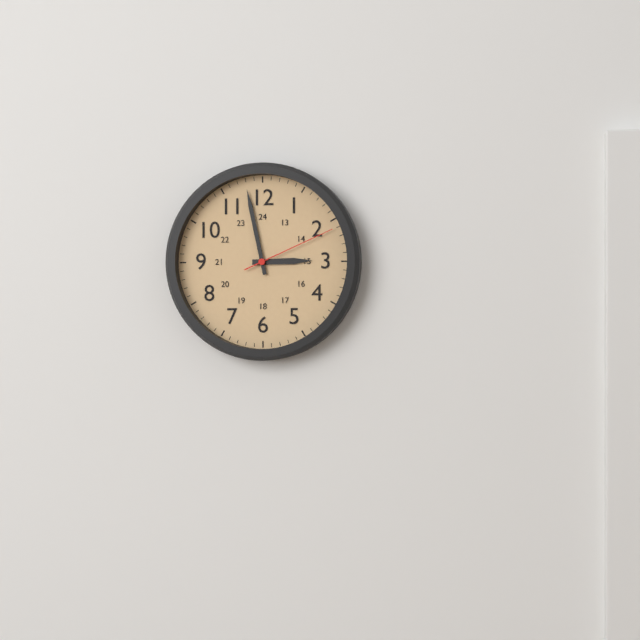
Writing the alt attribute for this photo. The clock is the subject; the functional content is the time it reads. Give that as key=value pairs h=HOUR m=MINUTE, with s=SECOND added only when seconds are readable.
h=2 m=58 s=11
